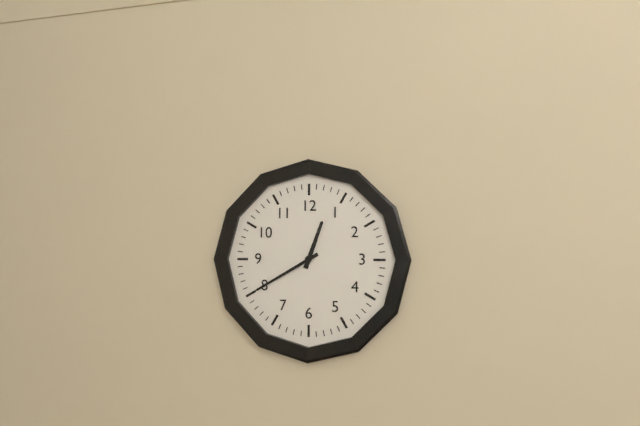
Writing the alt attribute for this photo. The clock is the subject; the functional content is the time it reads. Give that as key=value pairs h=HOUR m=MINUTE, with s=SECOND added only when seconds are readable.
h=12 m=40
